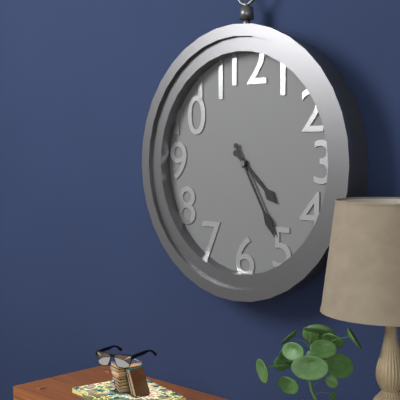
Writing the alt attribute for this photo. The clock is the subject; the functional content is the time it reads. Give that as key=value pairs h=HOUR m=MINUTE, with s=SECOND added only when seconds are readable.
h=4 m=25
